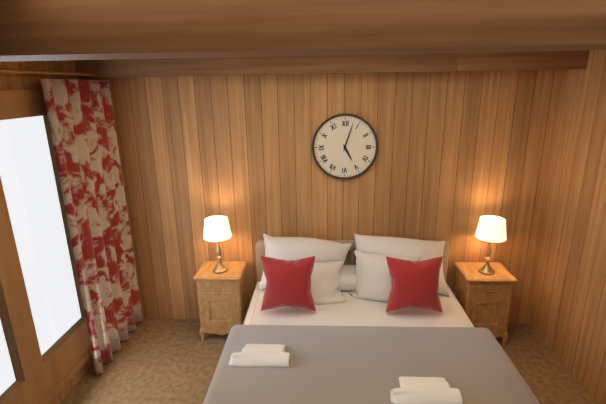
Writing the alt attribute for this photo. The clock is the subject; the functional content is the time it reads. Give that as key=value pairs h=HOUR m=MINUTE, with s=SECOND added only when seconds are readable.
h=5 m=3
